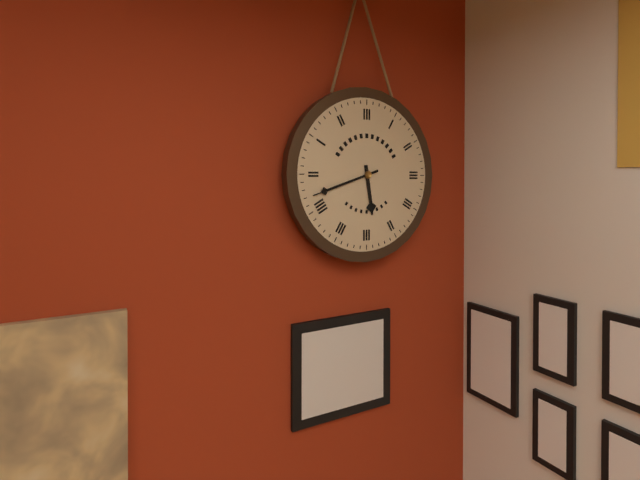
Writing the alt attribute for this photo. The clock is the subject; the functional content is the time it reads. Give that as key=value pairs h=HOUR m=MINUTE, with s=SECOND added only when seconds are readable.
h=5 m=42
